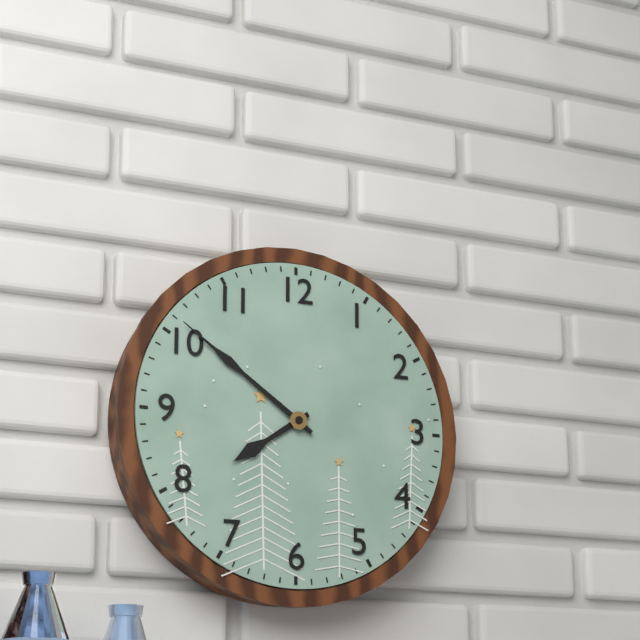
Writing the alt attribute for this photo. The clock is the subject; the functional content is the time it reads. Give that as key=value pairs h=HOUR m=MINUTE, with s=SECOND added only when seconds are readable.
h=7 m=51
